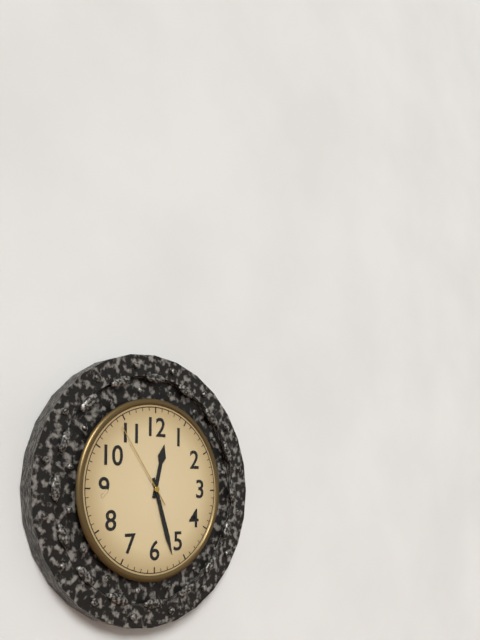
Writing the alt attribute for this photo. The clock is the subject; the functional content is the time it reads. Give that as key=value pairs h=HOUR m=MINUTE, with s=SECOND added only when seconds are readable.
h=12 m=27 s=54
